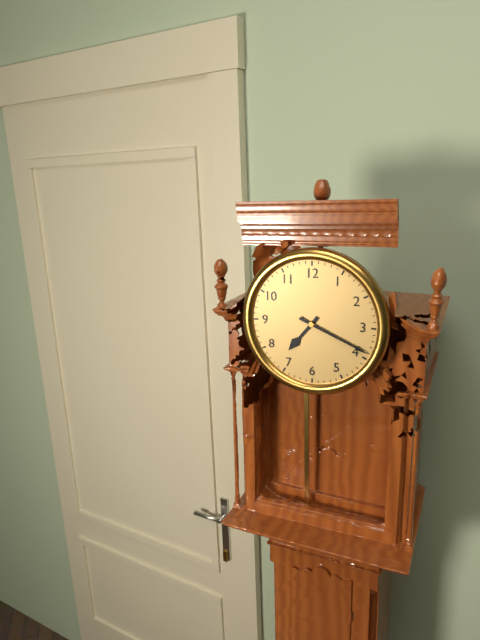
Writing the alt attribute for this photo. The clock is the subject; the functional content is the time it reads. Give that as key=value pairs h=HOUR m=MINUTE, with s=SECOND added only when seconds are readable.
h=7 m=19
